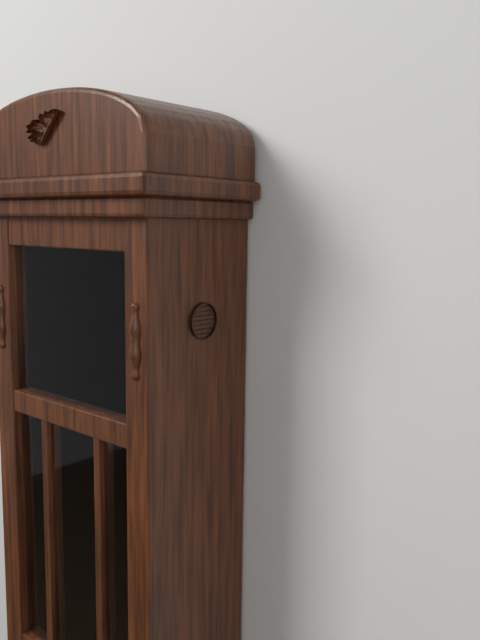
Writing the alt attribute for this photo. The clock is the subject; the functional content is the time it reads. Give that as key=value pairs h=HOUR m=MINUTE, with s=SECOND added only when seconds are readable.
h=5 m=12
